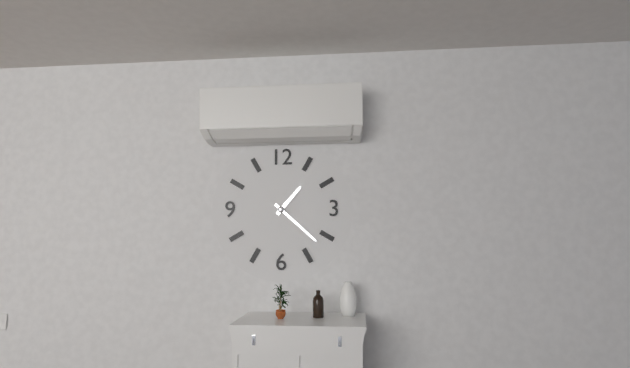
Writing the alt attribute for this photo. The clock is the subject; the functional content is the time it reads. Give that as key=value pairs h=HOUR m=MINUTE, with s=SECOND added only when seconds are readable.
h=1 m=22
